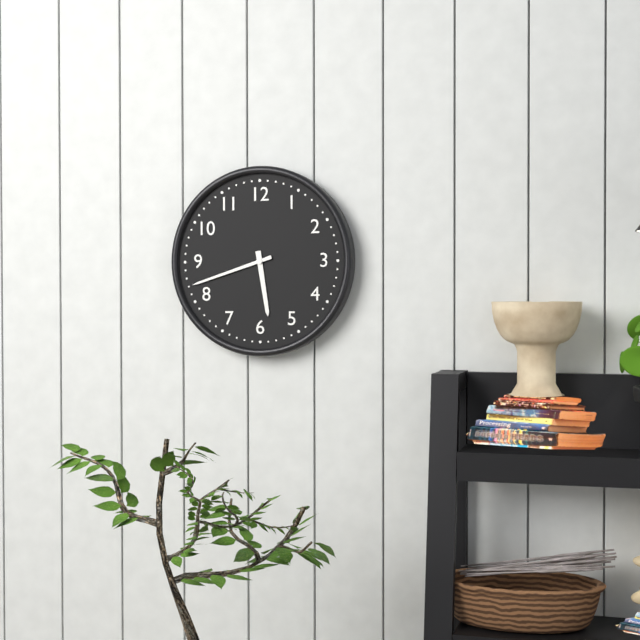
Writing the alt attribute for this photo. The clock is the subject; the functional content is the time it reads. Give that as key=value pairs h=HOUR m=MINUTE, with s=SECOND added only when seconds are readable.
h=5 m=42
